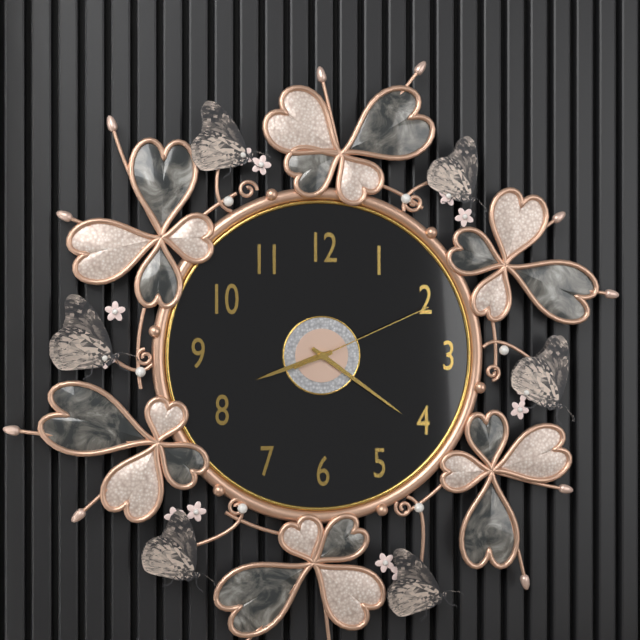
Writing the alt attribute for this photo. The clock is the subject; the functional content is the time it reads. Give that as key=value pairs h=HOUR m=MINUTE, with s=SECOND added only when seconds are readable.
h=8 m=21 s=11
